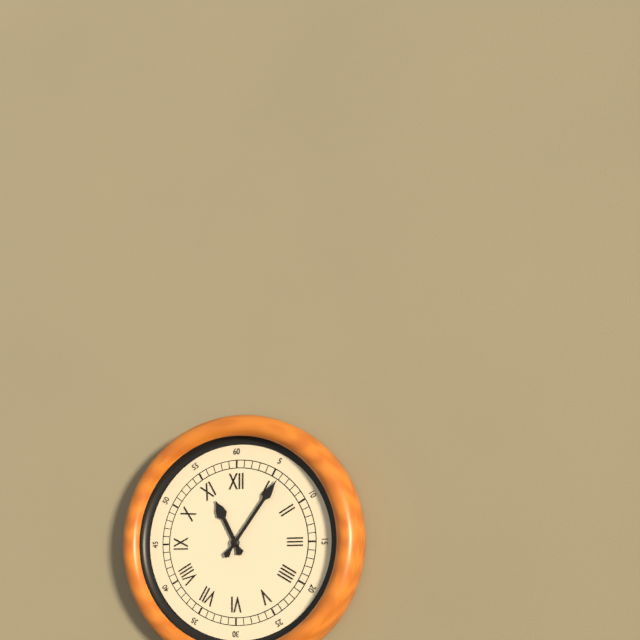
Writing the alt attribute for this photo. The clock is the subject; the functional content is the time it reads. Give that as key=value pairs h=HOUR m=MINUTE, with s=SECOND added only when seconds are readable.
h=11 m=6
